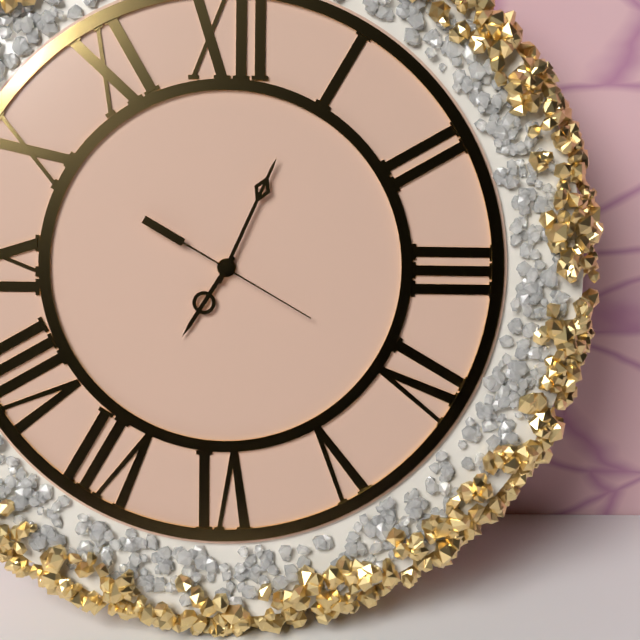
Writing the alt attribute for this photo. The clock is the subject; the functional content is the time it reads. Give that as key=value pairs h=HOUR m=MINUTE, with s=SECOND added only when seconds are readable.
h=7 m=4 s=20
